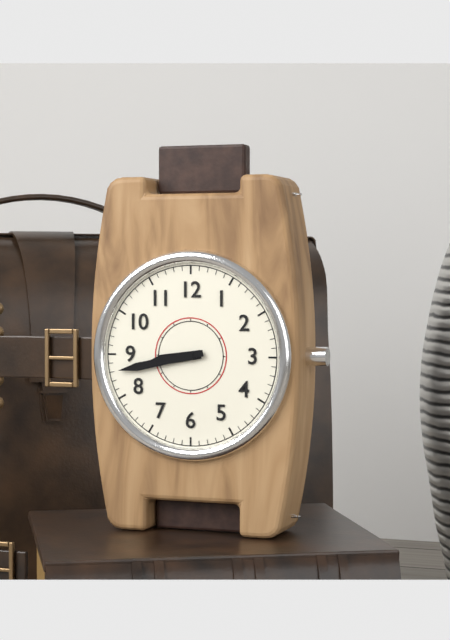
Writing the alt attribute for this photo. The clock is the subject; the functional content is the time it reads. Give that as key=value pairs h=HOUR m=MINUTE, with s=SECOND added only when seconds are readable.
h=8 m=43
